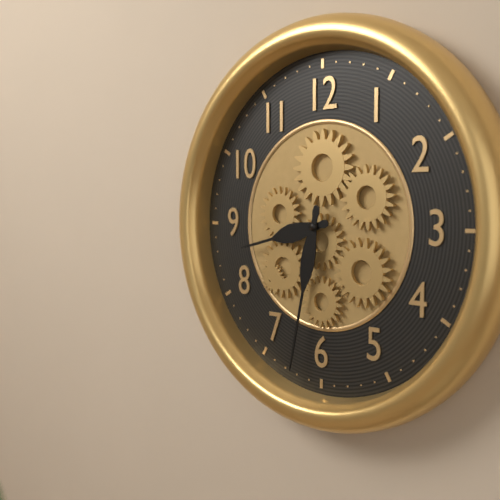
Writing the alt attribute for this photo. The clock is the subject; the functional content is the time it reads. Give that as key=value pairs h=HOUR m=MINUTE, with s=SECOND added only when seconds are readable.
h=8 m=32
